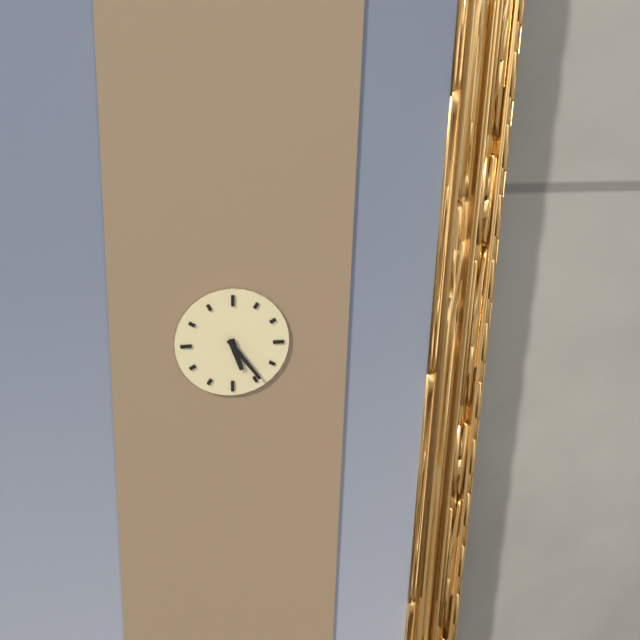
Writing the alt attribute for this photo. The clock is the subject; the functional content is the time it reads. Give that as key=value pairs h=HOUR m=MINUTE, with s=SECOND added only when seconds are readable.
h=5 m=24
